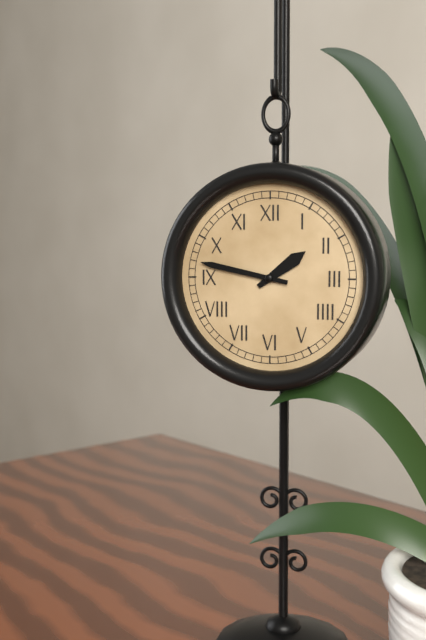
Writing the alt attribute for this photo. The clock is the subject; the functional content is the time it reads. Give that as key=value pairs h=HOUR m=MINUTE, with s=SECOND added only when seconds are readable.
h=1 m=47
